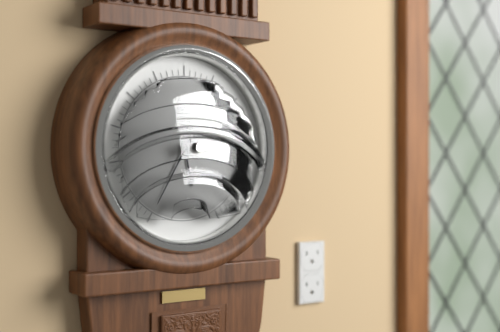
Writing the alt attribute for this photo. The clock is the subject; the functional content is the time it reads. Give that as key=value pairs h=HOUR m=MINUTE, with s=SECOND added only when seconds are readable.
h=5 m=35
